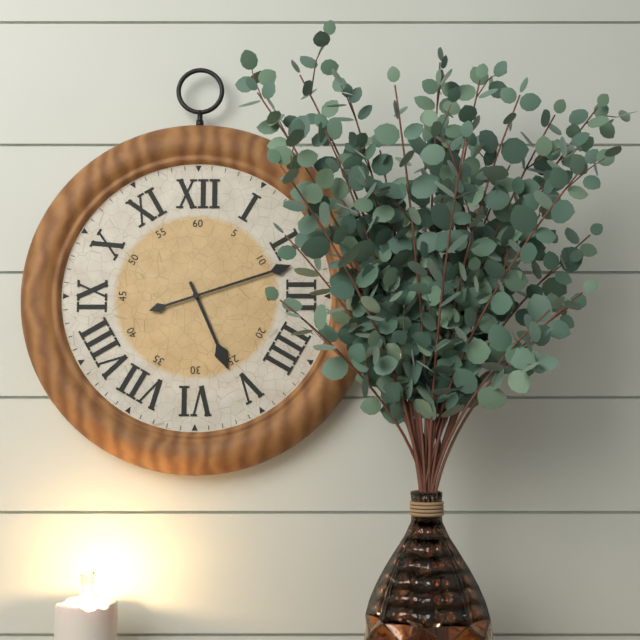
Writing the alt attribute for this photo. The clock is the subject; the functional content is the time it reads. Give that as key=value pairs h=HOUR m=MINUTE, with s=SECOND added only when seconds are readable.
h=5 m=12
